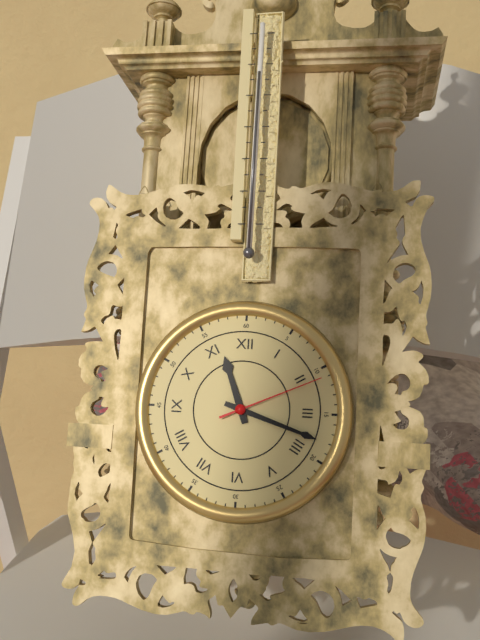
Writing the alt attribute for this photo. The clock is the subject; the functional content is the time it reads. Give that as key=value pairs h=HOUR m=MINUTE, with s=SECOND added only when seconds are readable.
h=11 m=18 s=11
